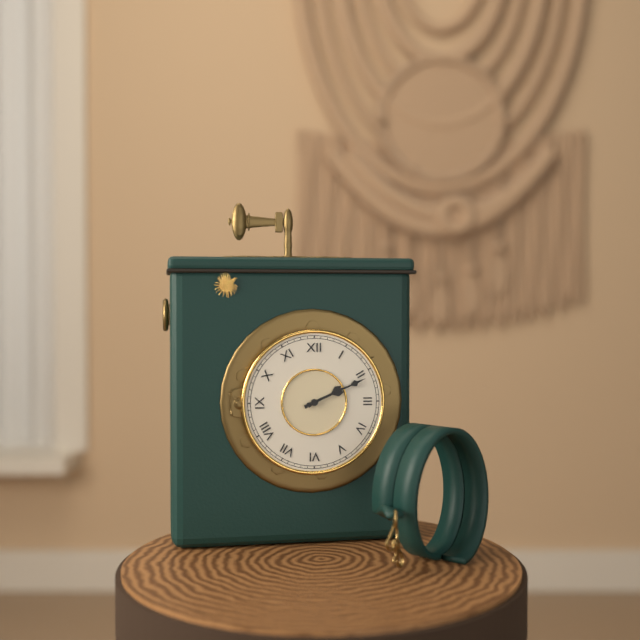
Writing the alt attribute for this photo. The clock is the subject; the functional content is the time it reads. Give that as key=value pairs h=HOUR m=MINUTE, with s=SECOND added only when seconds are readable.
h=2 m=11
